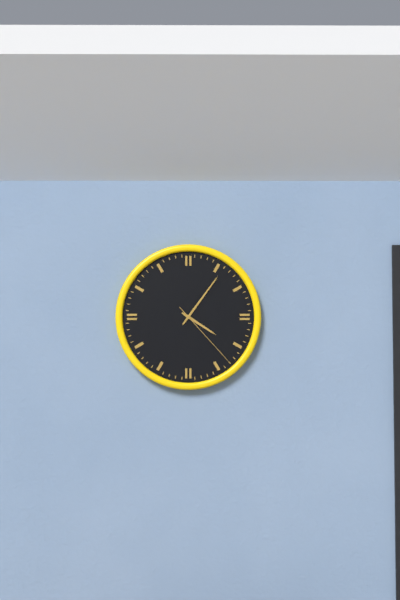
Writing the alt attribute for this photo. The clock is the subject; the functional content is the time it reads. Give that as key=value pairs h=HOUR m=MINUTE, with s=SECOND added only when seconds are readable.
h=4 m=6 s=23
